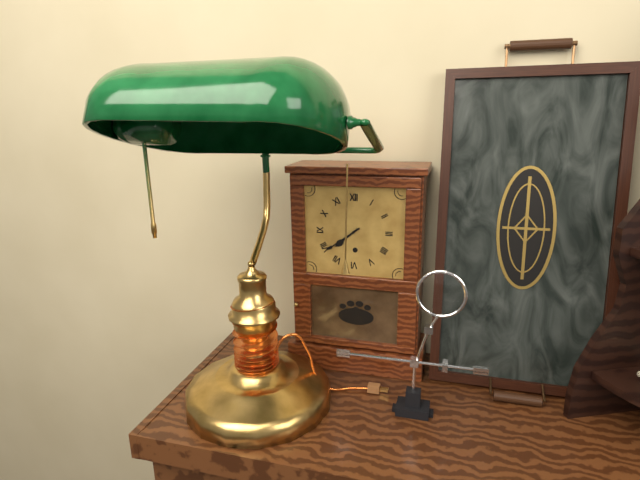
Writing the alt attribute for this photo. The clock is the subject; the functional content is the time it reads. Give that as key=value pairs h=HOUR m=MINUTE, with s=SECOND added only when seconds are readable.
h=7 m=39
